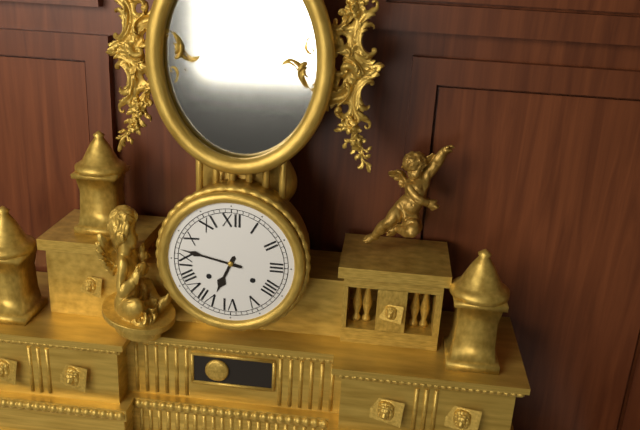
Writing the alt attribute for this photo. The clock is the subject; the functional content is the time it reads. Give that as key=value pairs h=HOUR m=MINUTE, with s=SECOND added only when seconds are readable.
h=6 m=47
